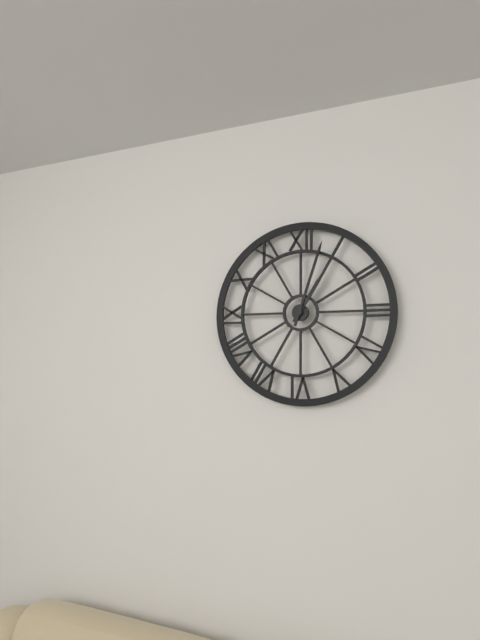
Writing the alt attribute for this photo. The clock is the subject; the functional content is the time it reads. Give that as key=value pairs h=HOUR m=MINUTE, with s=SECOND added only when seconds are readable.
h=1 m=3
